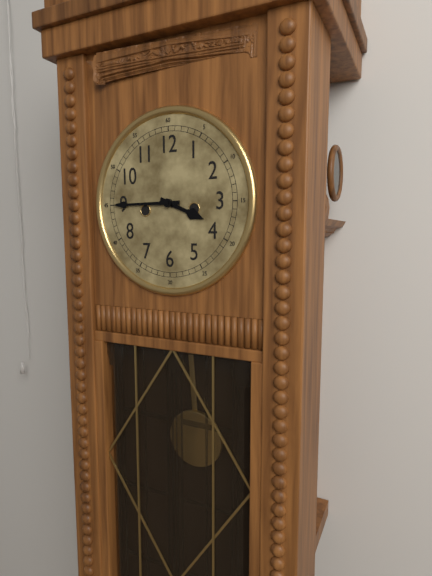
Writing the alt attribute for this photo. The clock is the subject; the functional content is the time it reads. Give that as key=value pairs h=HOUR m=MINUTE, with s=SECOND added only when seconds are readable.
h=3 m=45
